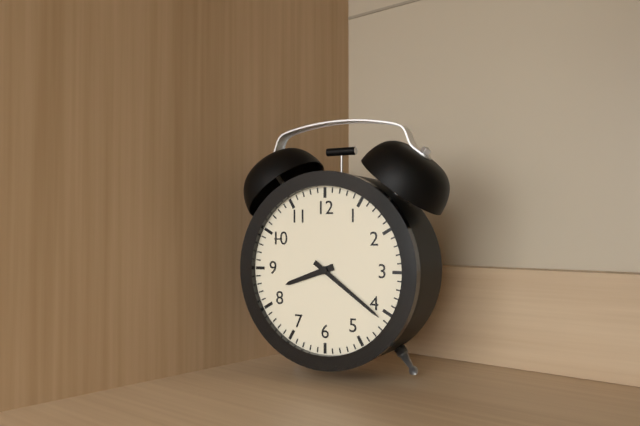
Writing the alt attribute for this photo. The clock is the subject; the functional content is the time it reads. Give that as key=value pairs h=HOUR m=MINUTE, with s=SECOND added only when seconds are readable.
h=8 m=21
